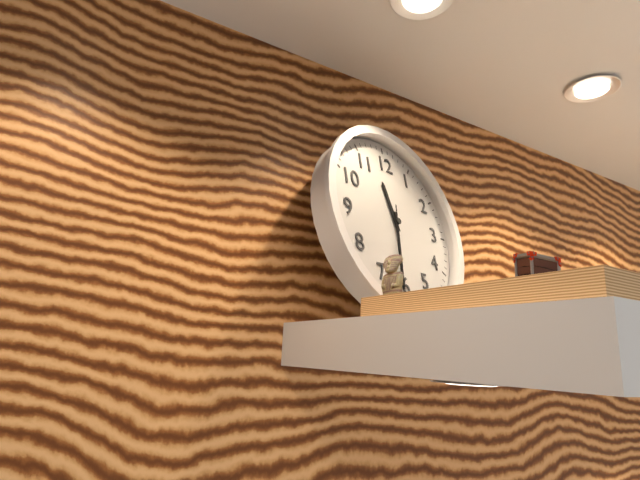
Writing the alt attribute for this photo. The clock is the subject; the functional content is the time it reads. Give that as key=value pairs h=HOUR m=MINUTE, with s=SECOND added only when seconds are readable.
h=11 m=31 s=31
